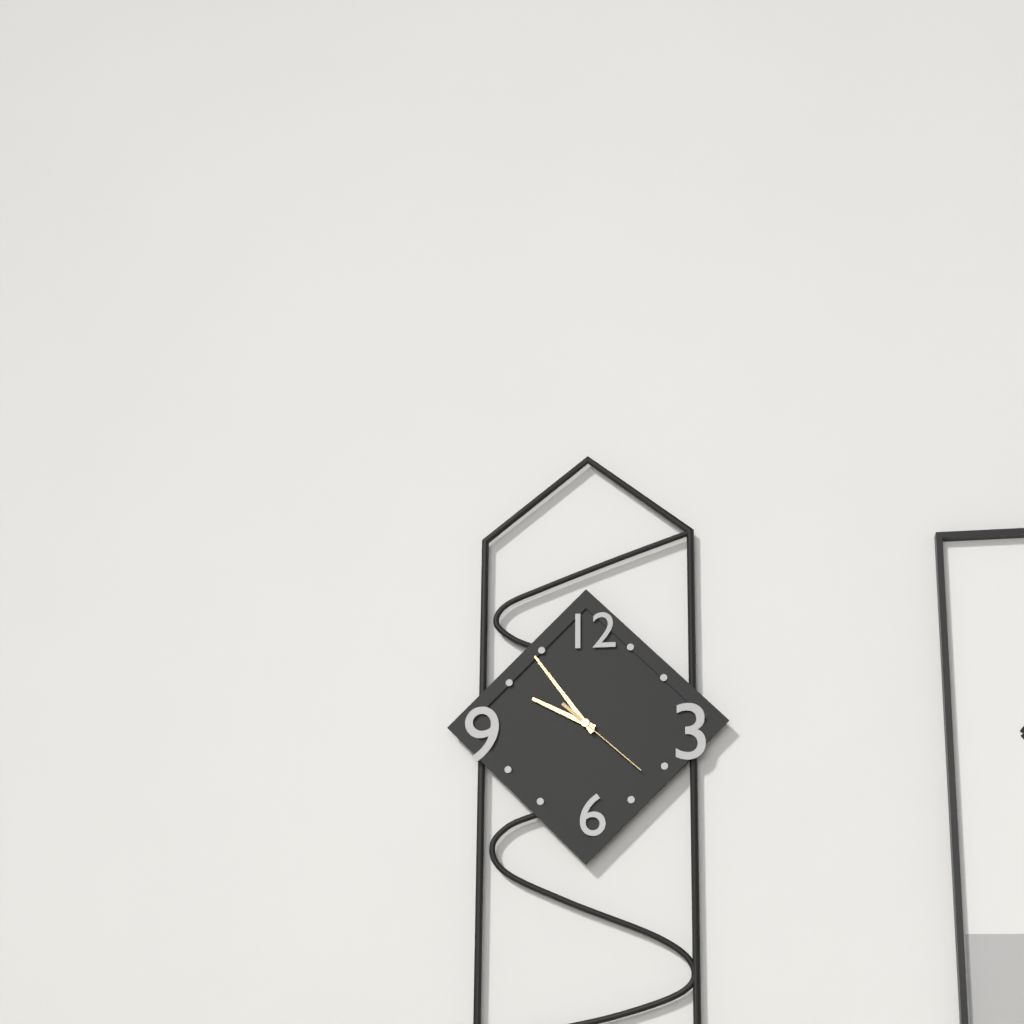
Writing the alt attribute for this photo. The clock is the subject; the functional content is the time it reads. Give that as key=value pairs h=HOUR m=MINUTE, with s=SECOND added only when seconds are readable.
h=9 m=54 s=22
